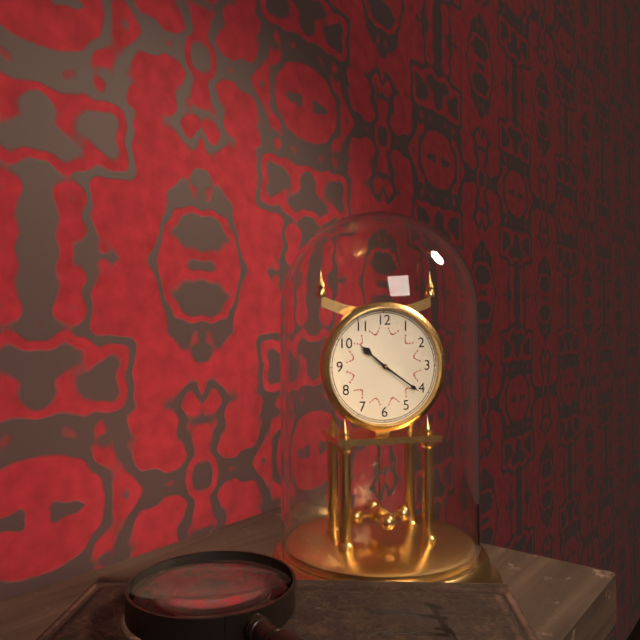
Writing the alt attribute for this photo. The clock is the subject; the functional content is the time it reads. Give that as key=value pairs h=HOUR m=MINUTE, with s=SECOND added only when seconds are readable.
h=10 m=21
